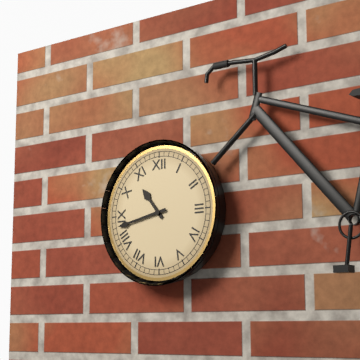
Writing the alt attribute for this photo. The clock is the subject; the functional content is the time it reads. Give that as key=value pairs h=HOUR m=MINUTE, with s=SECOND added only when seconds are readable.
h=10 m=43
